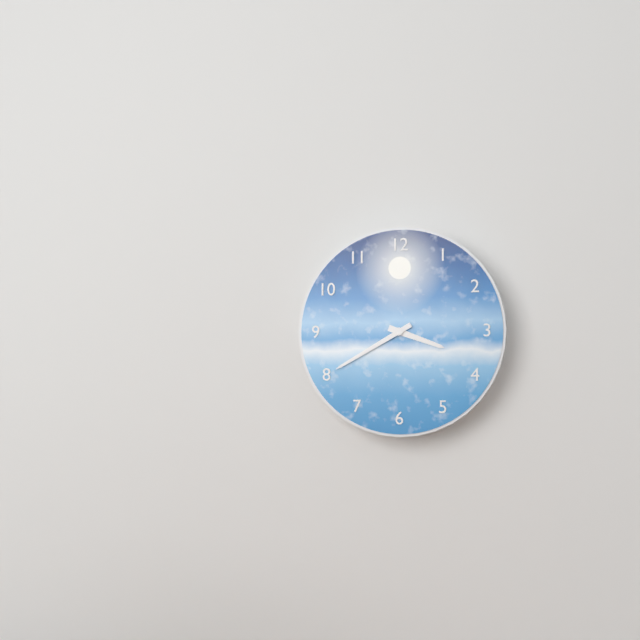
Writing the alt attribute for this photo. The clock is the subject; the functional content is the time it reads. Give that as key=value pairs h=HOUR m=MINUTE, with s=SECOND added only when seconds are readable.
h=3 m=40
